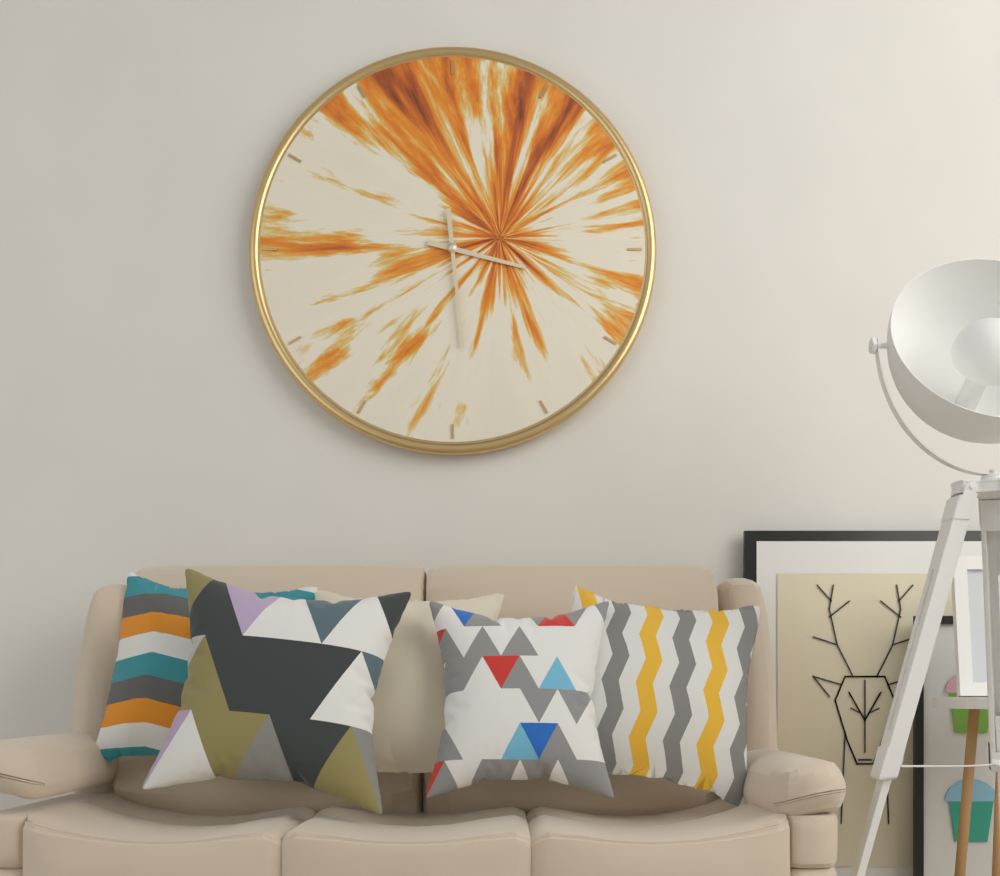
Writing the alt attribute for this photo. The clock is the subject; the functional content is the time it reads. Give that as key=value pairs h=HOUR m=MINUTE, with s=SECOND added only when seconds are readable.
h=3 m=29
